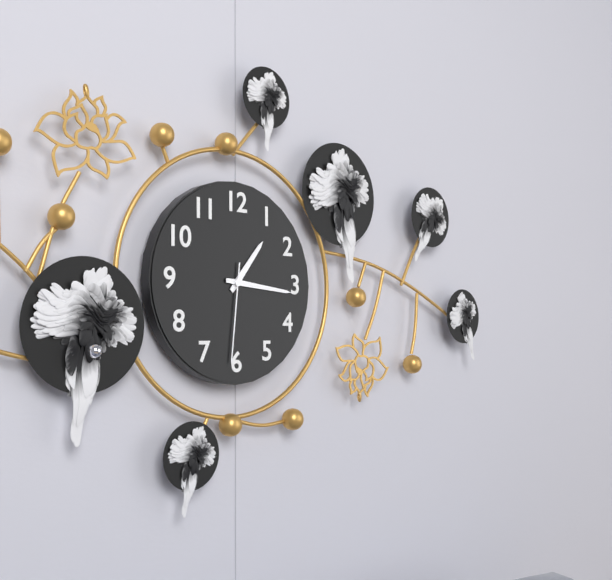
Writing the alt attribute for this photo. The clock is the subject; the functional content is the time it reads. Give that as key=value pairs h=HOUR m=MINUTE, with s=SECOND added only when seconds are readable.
h=1 m=16 s=31
